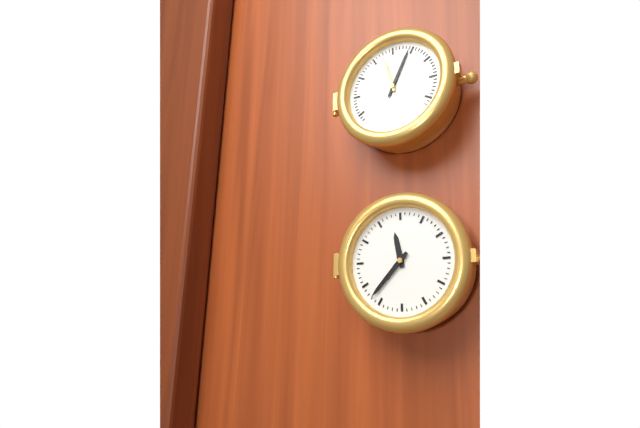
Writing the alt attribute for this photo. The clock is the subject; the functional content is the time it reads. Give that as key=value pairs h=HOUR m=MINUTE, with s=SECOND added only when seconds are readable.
h=11 m=37
